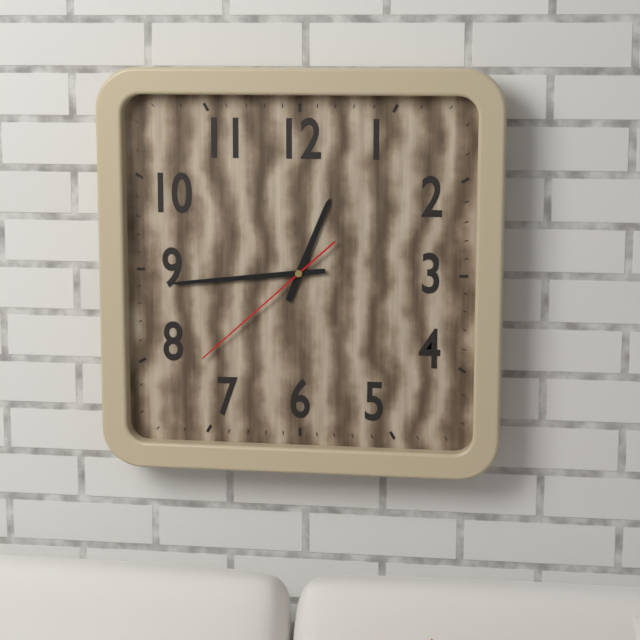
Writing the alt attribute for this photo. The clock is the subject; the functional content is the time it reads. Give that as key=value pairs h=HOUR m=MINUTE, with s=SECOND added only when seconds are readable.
h=12 m=44 s=38
